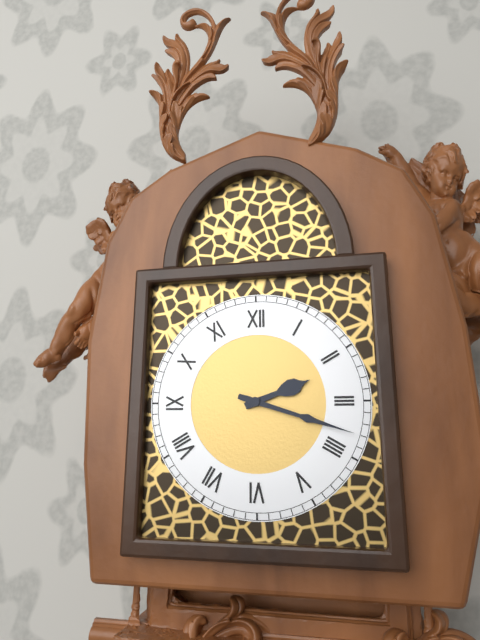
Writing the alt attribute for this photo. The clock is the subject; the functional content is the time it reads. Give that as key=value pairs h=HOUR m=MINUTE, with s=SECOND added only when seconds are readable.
h=2 m=18
